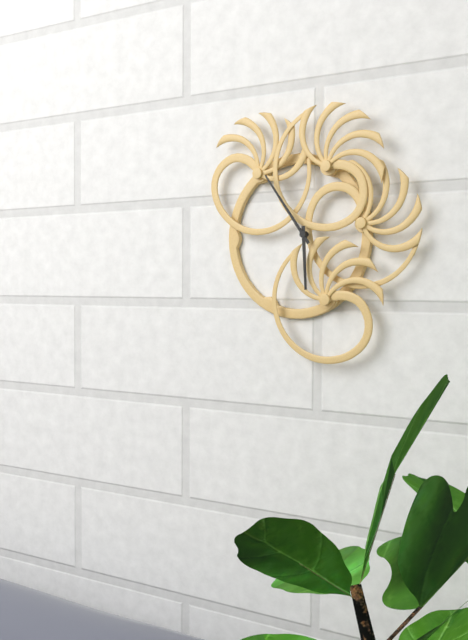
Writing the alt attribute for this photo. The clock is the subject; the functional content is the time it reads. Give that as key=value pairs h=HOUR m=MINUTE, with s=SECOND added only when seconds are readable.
h=5 m=54
